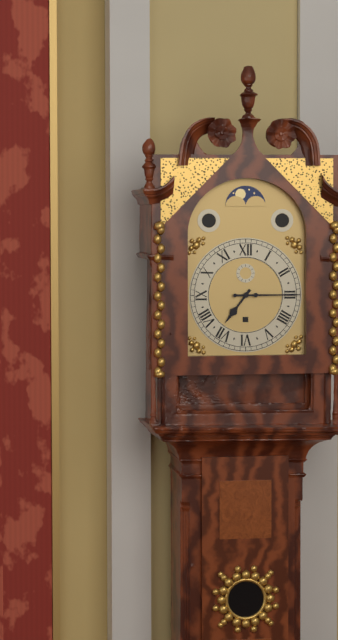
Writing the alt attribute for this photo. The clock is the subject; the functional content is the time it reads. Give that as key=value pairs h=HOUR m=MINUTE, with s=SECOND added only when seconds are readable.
h=7 m=15
